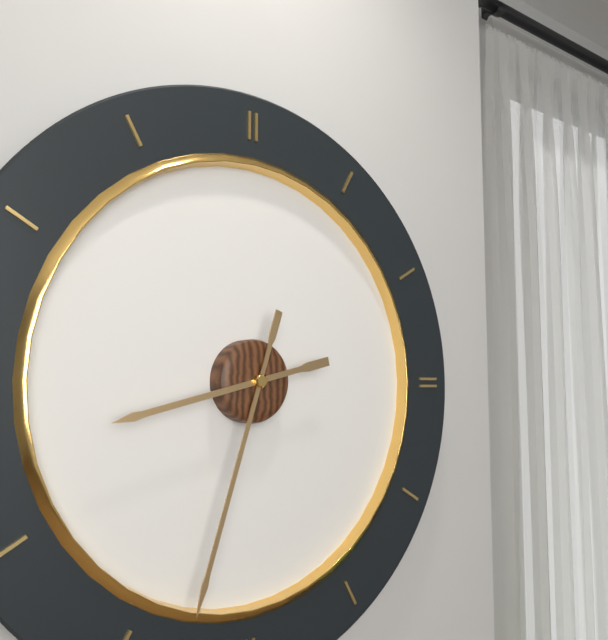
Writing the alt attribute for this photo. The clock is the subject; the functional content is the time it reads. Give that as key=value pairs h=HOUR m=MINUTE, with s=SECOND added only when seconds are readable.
h=8 m=33
